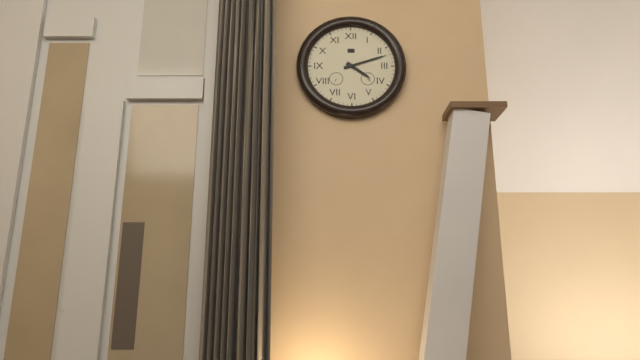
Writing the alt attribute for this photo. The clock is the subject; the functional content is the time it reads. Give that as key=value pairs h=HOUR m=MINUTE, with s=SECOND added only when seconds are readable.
h=4 m=12
